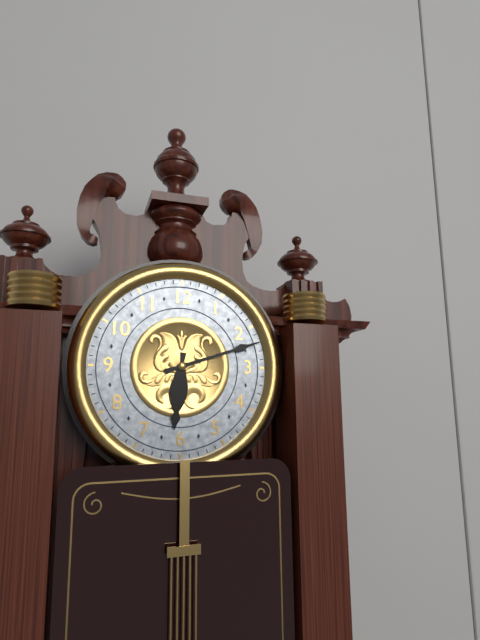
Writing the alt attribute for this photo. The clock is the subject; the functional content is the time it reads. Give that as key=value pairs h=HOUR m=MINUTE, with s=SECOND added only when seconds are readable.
h=6 m=12
